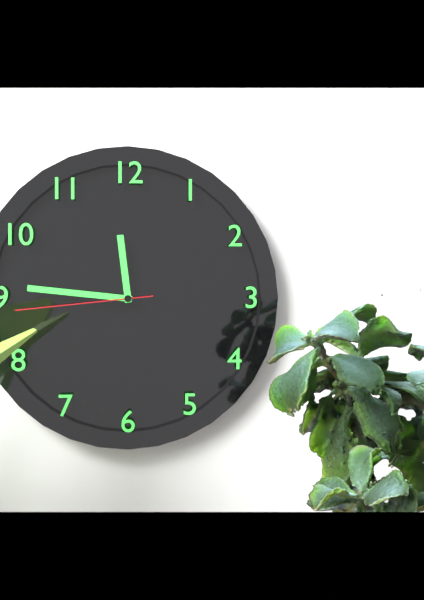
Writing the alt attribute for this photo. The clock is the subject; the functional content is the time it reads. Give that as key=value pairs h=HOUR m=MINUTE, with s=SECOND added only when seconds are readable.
h=11 m=46 s=44
